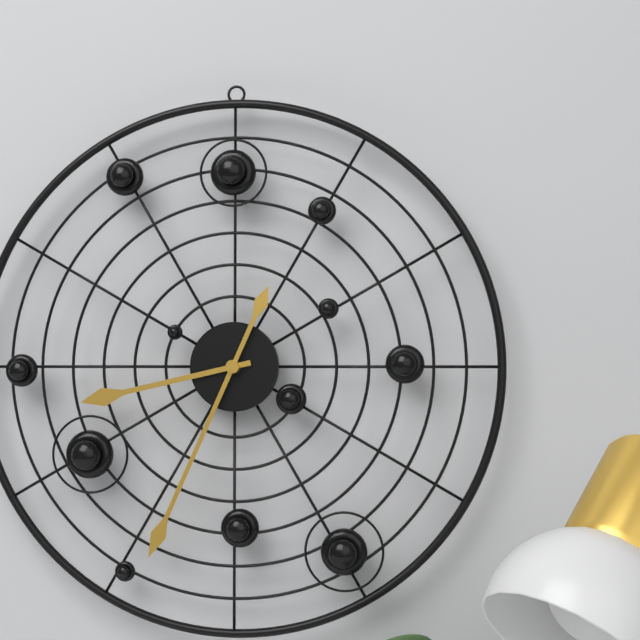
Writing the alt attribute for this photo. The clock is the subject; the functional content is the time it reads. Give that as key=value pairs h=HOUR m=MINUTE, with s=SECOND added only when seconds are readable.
h=8 m=34
